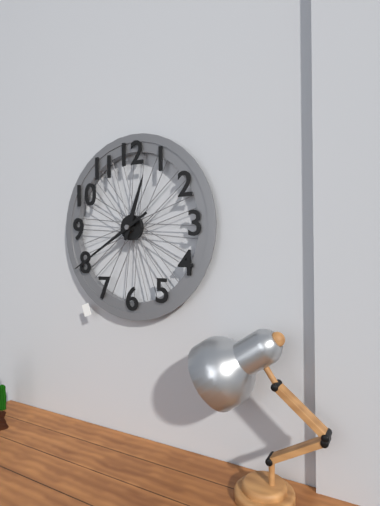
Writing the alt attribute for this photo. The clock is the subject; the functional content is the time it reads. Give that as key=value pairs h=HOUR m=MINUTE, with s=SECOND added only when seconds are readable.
h=12 m=40
